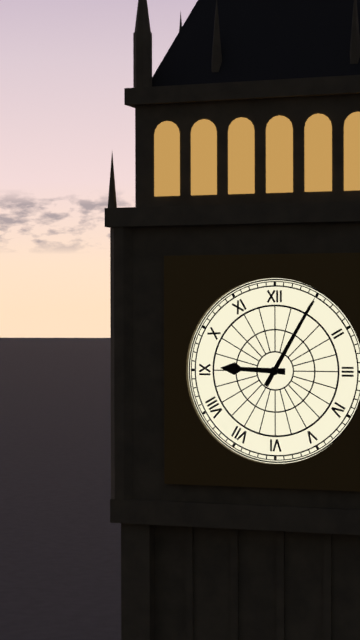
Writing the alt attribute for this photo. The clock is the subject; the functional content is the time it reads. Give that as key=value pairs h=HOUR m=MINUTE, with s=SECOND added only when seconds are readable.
h=9 m=5
